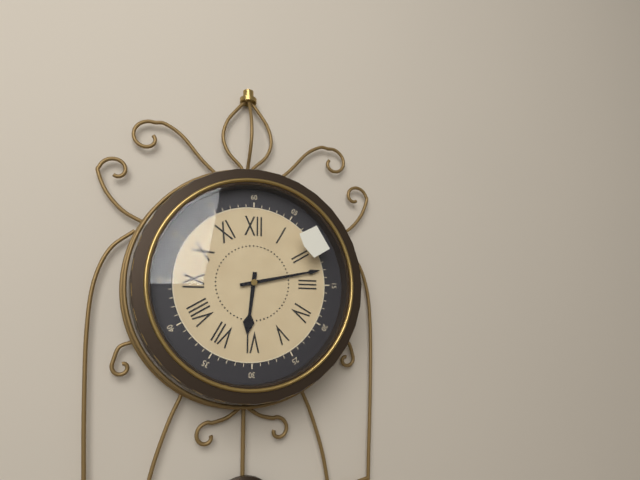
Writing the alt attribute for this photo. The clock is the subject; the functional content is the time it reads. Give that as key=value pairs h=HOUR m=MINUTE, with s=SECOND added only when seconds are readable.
h=6 m=13
